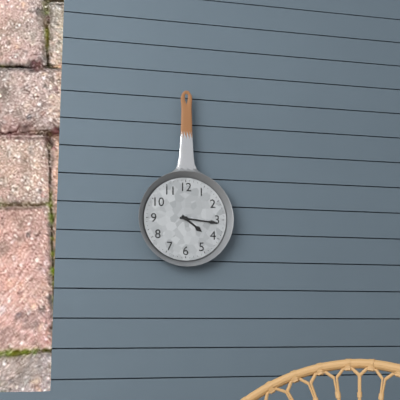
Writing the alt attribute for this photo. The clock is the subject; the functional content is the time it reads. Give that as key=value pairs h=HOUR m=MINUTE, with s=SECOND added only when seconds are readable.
h=4 m=16
